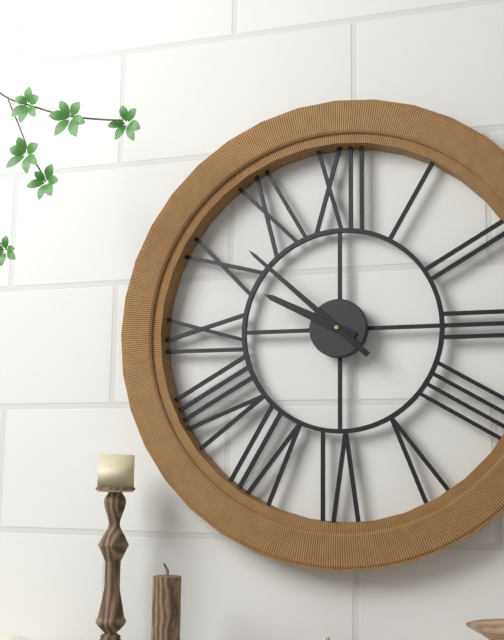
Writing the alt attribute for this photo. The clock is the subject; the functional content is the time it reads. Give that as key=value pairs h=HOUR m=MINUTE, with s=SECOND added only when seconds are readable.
h=9 m=52
